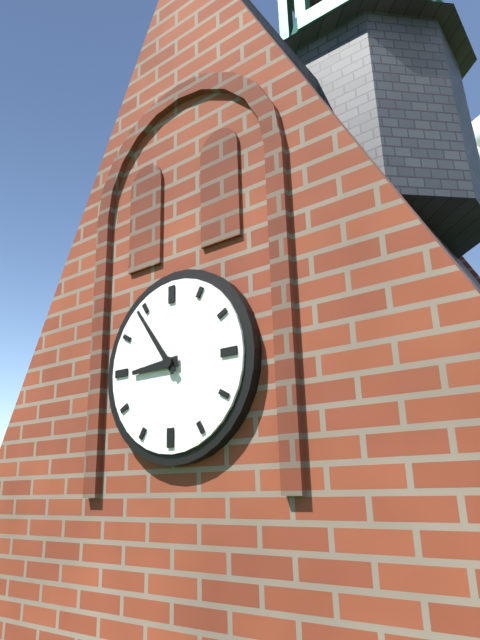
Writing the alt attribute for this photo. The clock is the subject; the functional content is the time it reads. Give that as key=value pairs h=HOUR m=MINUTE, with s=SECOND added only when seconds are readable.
h=8 m=54
